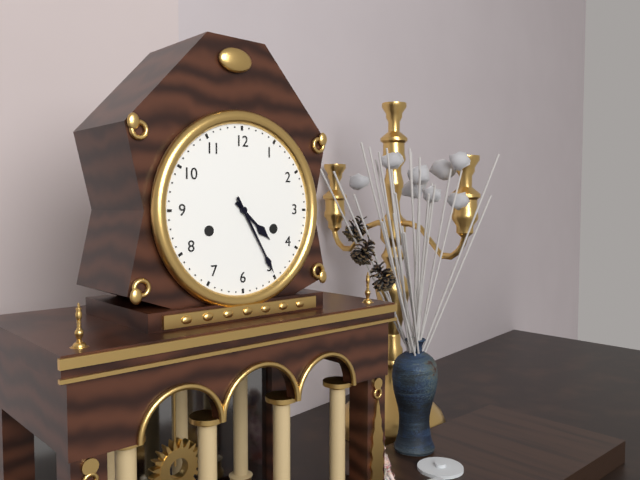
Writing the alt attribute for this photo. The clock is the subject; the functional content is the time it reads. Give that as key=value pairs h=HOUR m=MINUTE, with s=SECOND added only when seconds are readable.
h=4 m=25
